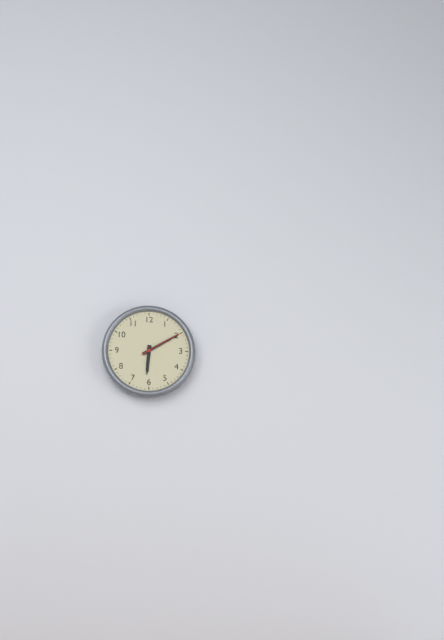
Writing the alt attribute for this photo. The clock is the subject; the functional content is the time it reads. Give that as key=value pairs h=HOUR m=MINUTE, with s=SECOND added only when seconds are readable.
h=6 m=10
